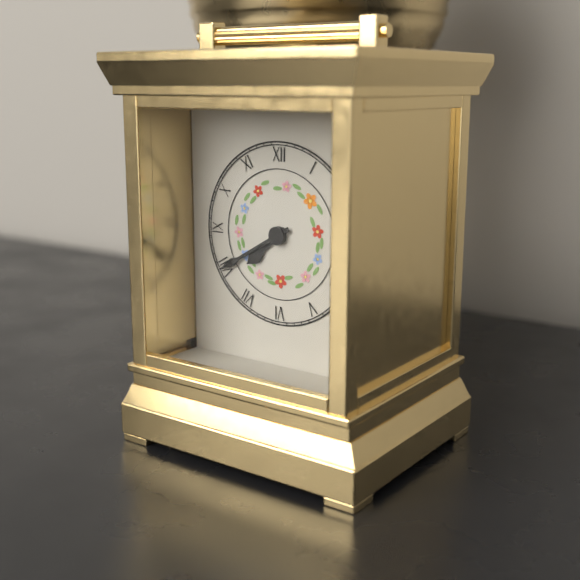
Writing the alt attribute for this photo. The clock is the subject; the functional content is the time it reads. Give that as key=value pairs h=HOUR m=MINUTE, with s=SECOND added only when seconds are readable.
h=7 m=40
